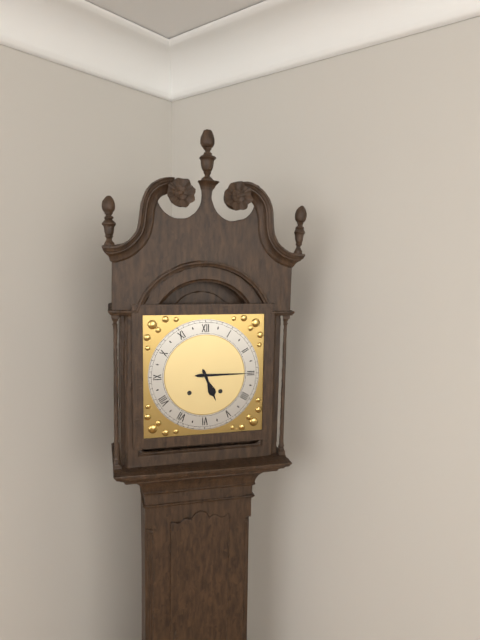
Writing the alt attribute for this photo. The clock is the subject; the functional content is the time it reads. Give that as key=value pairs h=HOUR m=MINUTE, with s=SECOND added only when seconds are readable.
h=5 m=15
